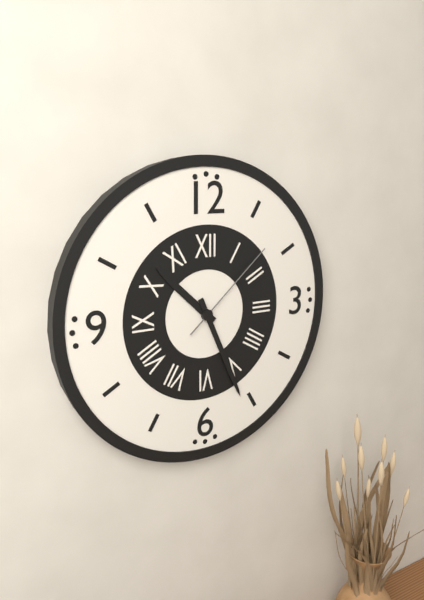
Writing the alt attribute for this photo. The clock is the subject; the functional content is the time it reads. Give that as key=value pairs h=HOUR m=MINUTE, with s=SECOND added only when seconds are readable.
h=10 m=26 s=8
